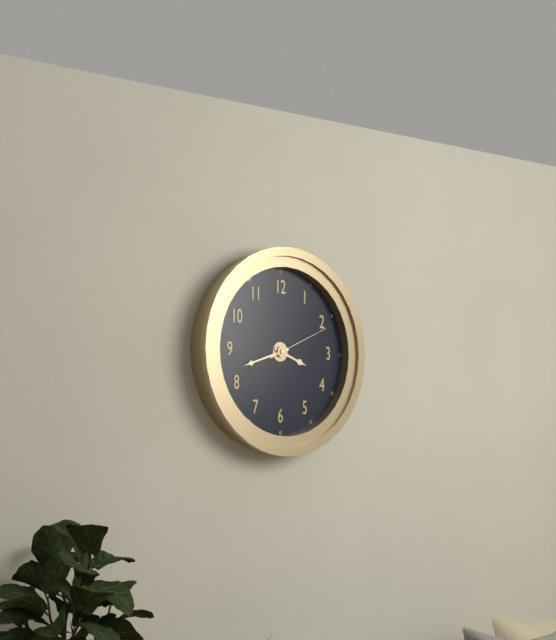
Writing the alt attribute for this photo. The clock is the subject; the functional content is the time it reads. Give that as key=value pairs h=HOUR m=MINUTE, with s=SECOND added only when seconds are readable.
h=3 m=42 s=11
